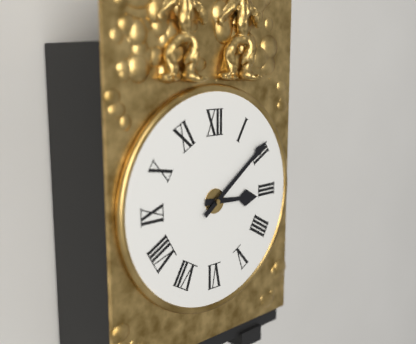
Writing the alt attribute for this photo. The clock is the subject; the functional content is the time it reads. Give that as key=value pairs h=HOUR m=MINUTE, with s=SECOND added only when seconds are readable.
h=3 m=9
